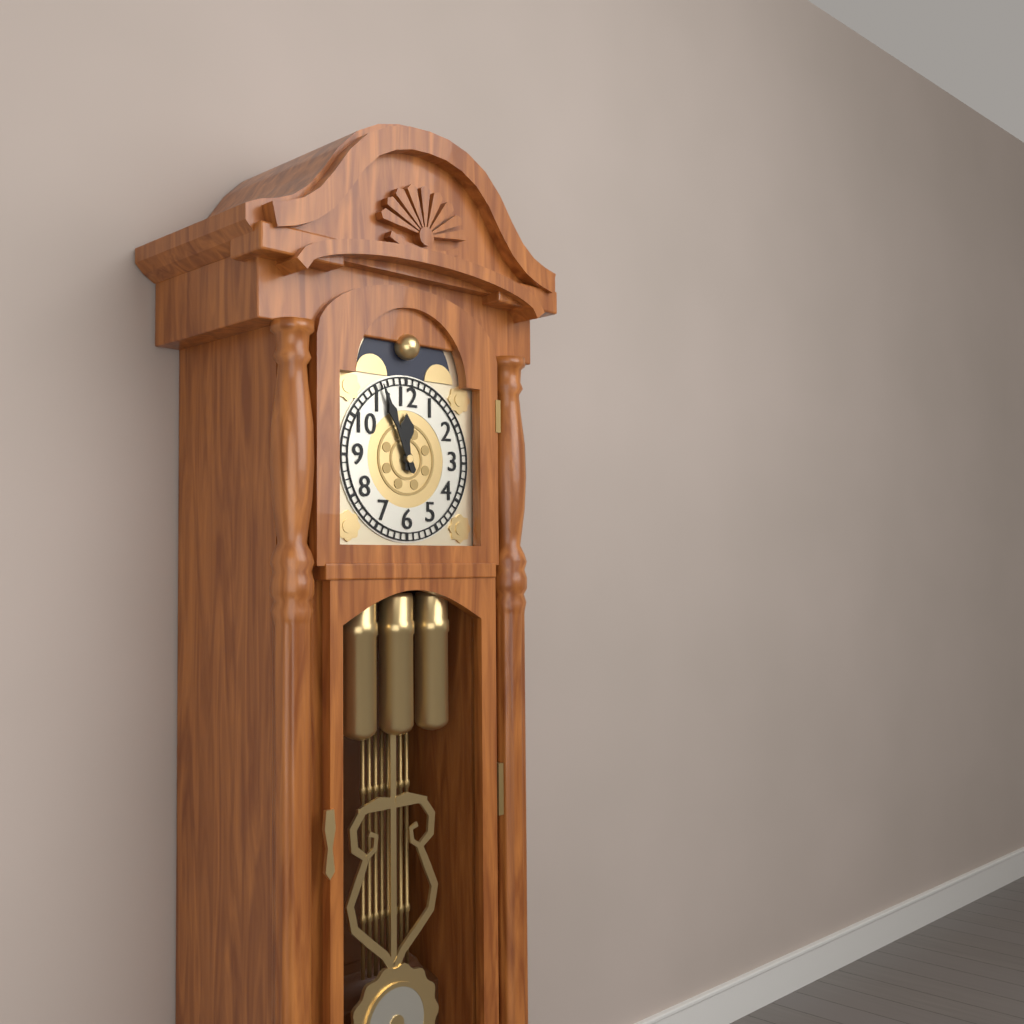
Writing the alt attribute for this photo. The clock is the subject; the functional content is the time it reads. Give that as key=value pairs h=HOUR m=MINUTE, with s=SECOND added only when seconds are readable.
h=11 m=56
